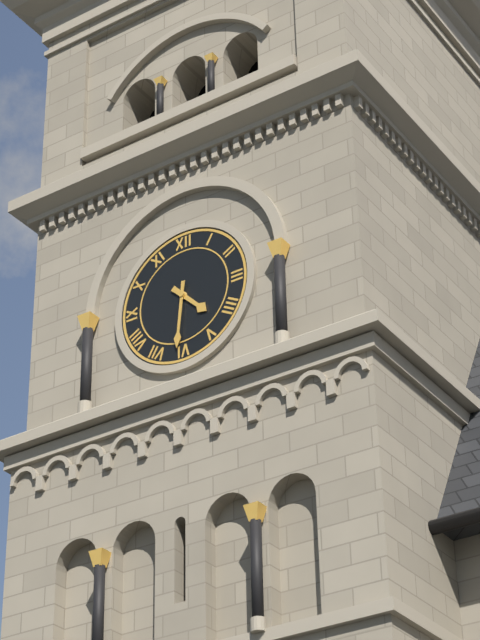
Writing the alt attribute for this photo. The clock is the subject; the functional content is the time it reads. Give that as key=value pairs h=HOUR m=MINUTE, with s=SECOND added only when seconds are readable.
h=4 m=31
